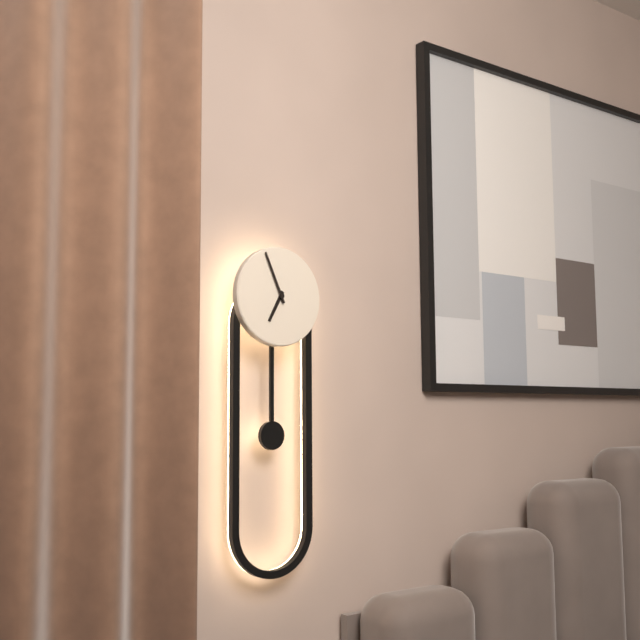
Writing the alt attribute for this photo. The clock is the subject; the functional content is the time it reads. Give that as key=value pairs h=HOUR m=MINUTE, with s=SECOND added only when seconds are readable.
h=6 m=56
